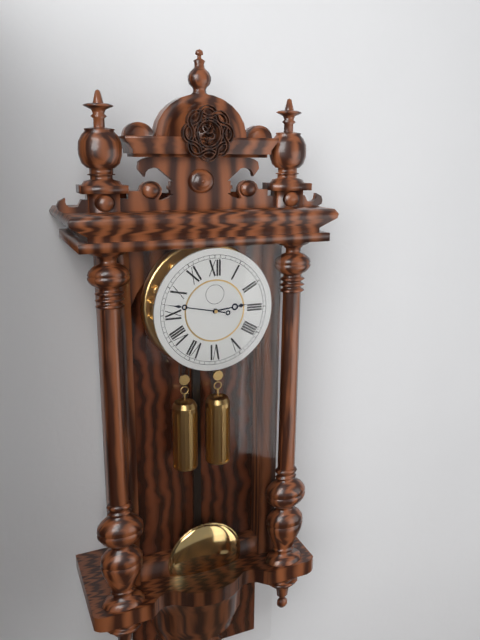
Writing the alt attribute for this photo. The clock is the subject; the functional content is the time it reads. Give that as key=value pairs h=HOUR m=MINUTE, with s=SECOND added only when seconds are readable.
h=2 m=47
